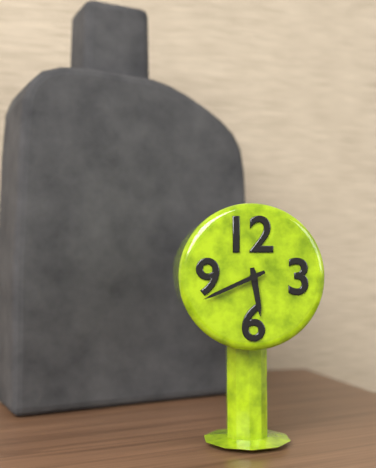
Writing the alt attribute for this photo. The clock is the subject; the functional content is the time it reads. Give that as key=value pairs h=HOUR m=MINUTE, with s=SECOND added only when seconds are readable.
h=5 m=41
